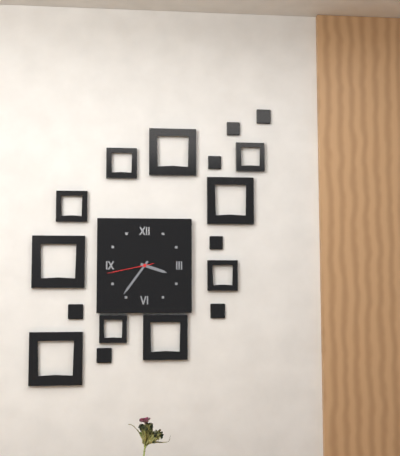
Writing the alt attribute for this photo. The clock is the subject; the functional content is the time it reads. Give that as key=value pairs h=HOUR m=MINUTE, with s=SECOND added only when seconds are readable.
h=3 m=36
